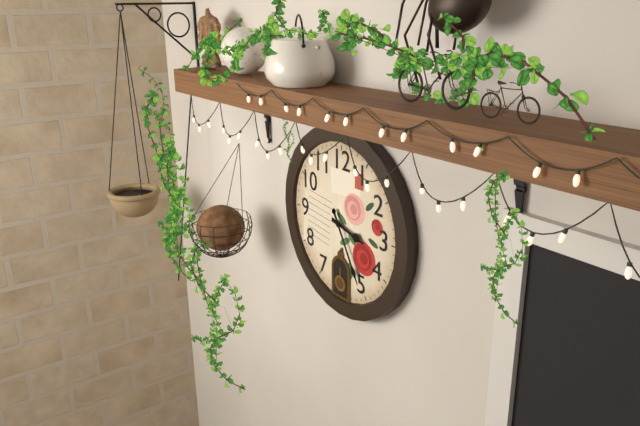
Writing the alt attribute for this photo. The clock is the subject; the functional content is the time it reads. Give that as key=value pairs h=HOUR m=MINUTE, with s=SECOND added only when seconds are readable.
h=3 m=25
